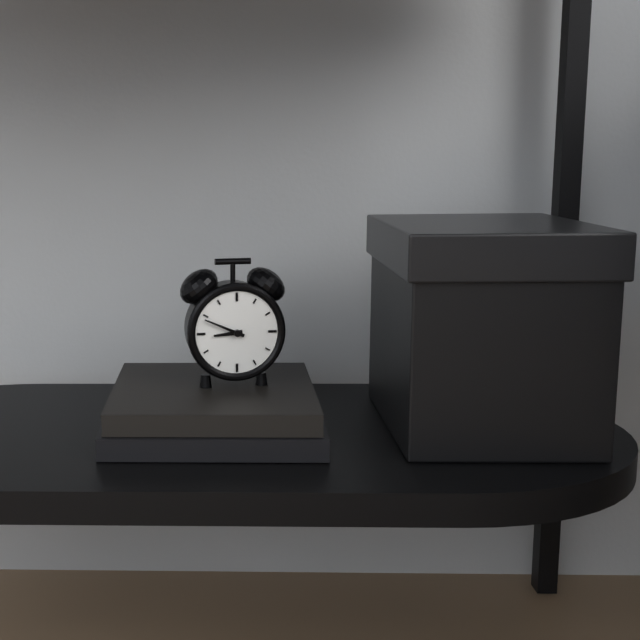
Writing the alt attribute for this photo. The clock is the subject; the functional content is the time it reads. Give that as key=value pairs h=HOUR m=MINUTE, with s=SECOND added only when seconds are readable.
h=8 m=49
